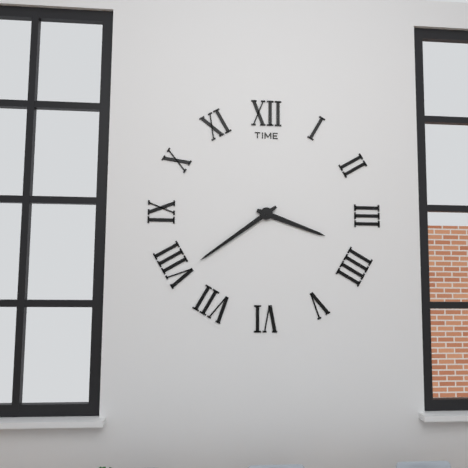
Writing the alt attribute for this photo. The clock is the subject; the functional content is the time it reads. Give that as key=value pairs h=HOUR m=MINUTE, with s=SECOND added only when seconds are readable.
h=3 m=39
